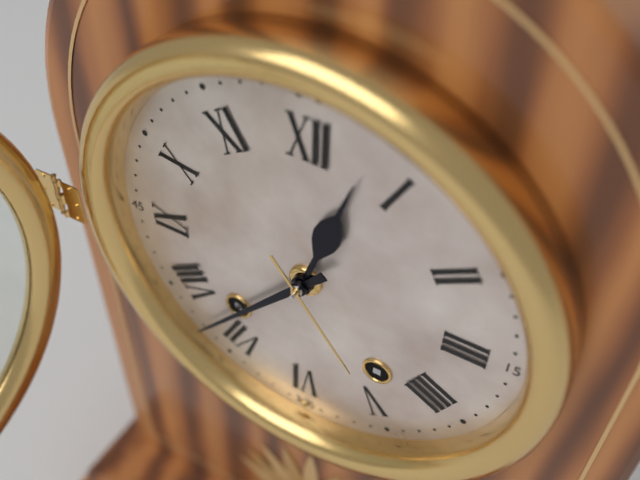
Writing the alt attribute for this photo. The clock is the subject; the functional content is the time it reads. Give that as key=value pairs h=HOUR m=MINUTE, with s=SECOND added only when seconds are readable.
h=12 m=37
